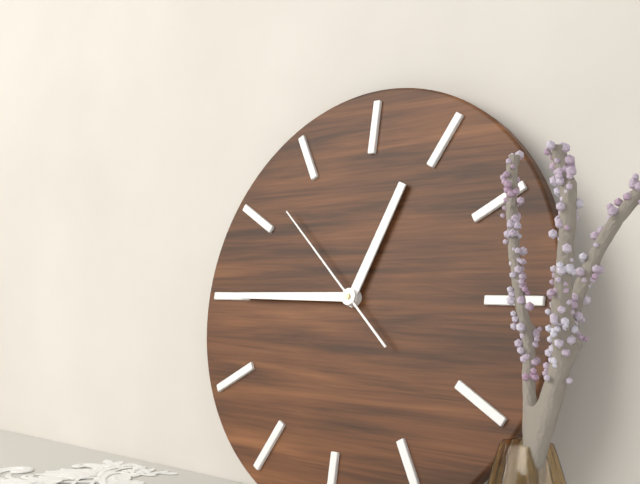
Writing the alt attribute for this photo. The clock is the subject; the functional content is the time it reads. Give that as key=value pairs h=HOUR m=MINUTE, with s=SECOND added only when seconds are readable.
h=12 m=45 s=52
